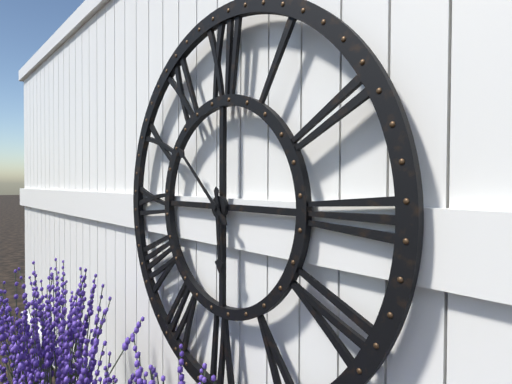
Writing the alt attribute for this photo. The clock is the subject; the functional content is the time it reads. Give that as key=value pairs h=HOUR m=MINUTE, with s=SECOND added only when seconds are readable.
h=5 m=52
